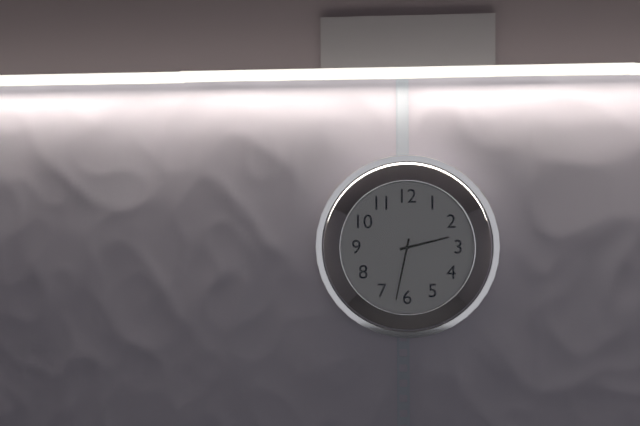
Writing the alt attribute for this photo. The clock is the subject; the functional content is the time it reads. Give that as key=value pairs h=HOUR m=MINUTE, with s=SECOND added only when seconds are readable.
h=2 m=32
